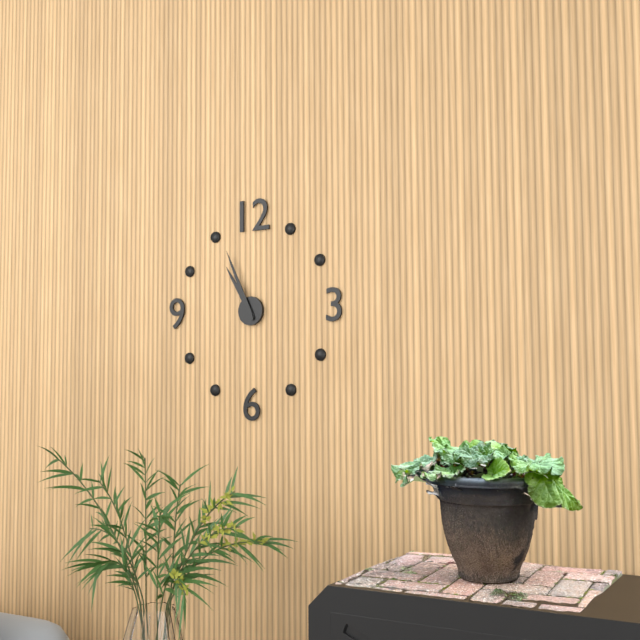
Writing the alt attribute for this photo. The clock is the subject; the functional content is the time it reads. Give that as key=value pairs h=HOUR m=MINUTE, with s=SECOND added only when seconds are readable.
h=10 m=56
